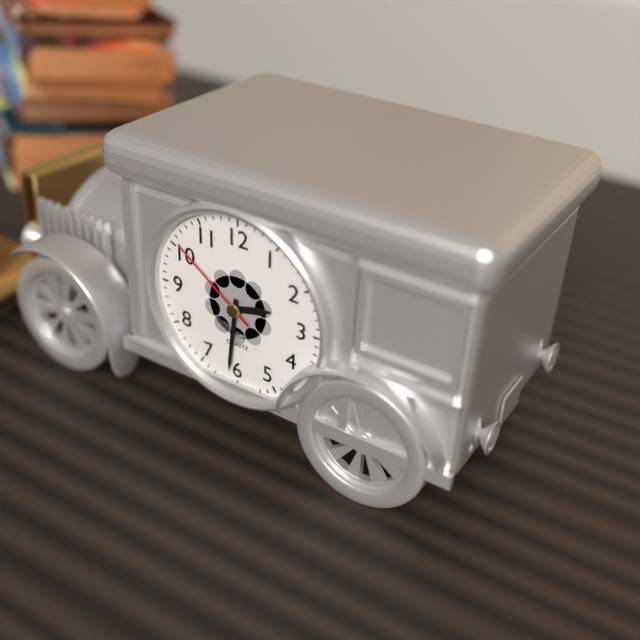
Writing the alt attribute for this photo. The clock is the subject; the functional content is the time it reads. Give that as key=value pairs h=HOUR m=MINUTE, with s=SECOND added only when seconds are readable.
h=2 m=31 s=51
